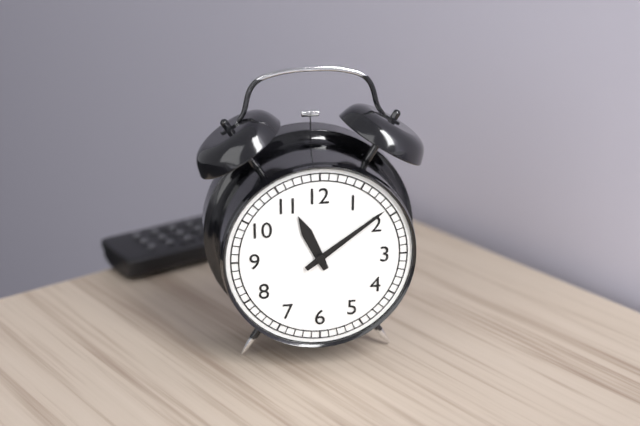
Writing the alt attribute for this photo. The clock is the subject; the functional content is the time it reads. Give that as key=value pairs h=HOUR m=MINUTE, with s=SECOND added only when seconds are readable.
h=11 m=9
